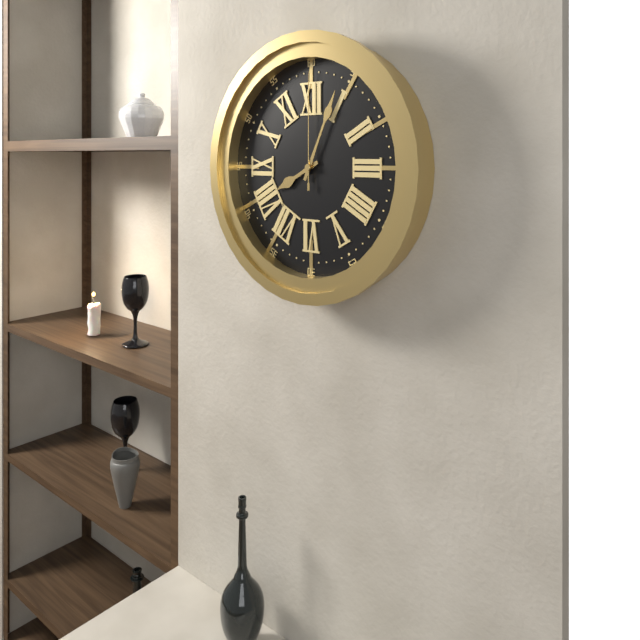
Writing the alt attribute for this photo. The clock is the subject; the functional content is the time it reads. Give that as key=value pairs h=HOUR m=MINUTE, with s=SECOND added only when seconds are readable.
h=8 m=4 s=0
